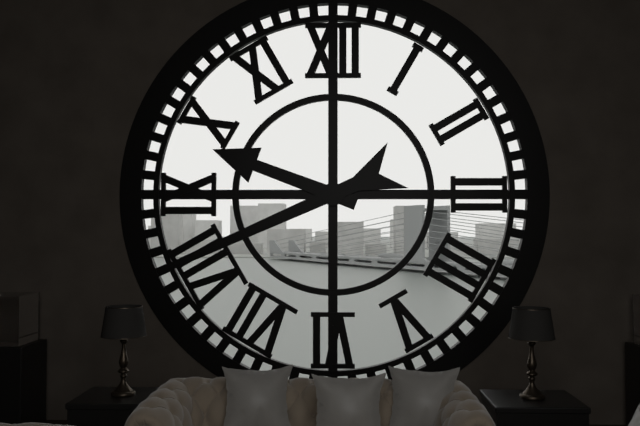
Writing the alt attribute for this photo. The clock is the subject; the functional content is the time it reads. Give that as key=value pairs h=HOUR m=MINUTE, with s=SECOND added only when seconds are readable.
h=9 m=41
